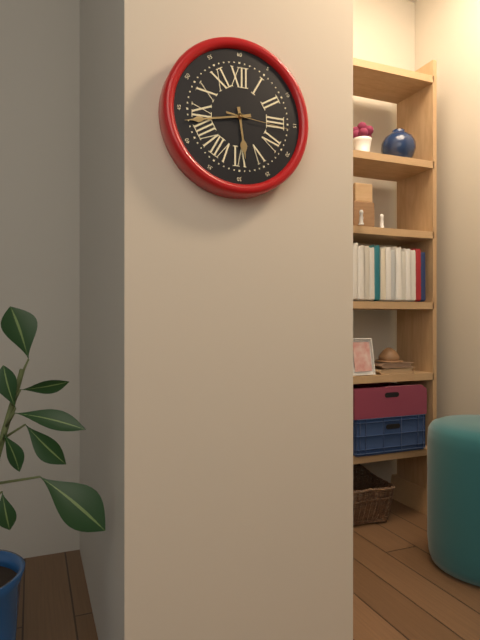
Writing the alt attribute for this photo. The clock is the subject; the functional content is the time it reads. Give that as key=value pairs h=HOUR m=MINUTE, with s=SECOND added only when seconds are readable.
h=5 m=43 s=16
